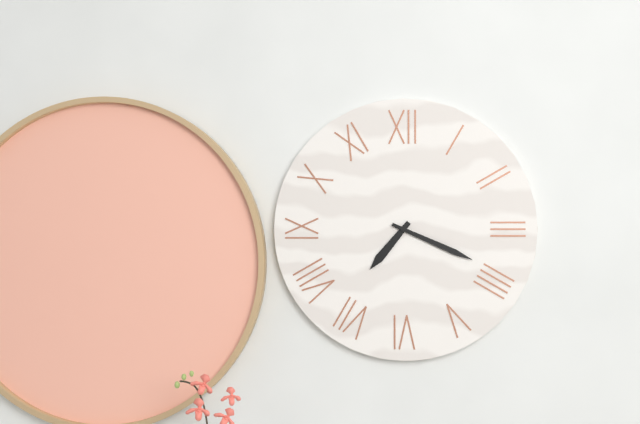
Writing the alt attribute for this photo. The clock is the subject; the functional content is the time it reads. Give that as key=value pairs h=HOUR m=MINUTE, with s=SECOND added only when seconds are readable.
h=7 m=19
